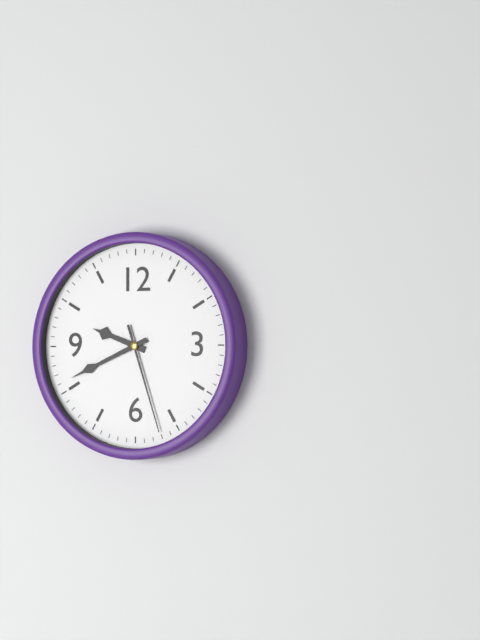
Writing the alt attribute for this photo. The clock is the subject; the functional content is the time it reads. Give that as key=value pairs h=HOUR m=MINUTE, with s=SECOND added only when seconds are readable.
h=9 m=41 s=27
